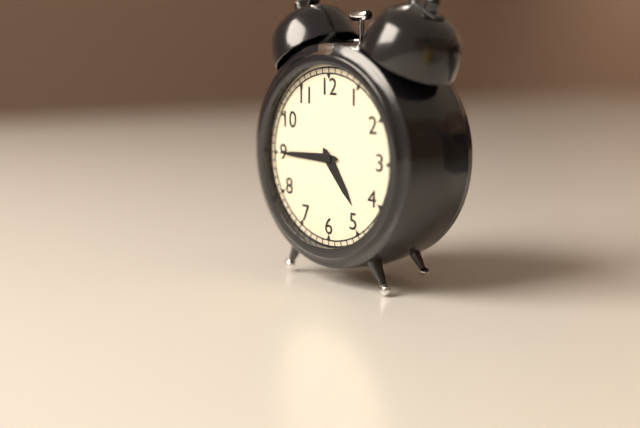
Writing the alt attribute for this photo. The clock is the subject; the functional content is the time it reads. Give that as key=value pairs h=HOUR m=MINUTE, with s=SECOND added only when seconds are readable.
h=4 m=45
